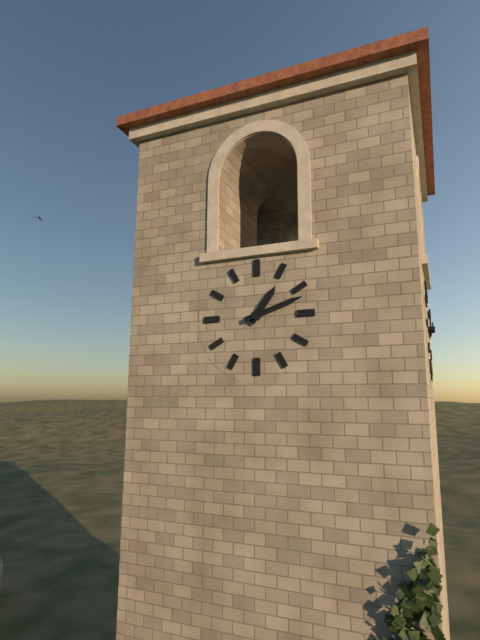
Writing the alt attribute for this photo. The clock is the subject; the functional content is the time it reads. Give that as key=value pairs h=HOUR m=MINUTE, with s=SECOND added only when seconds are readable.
h=1 m=12
